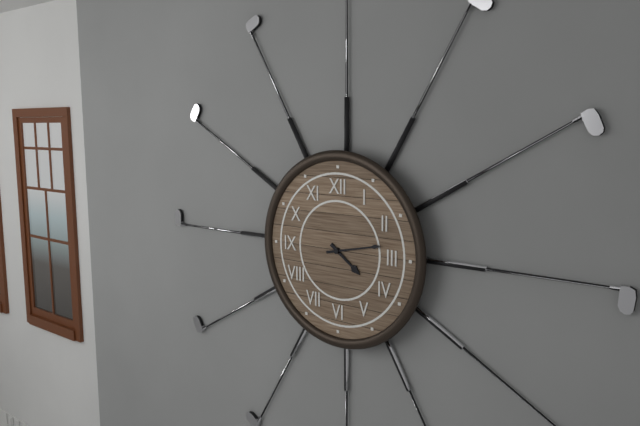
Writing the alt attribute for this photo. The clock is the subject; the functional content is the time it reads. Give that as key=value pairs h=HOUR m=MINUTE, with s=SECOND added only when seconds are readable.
h=4 m=13
